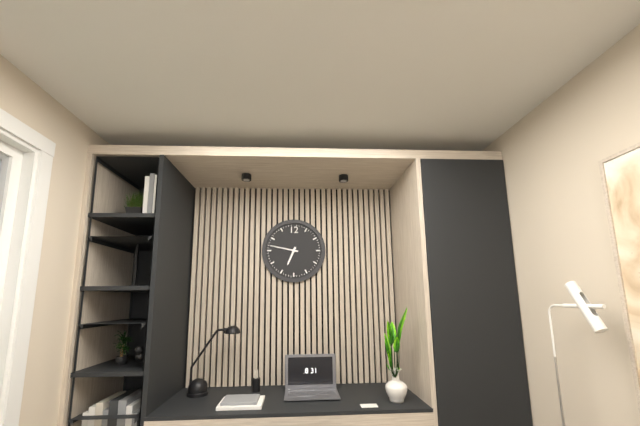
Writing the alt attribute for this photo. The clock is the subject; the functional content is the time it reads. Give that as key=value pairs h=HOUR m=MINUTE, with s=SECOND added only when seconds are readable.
h=6 m=47
